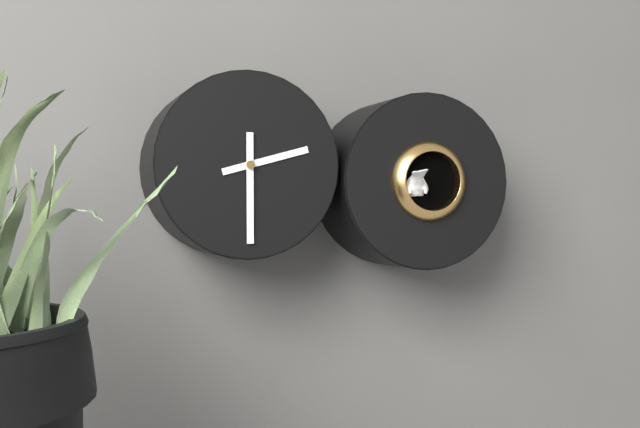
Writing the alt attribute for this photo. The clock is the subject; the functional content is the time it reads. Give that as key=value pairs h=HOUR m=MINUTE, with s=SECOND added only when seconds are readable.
h=2 m=30
